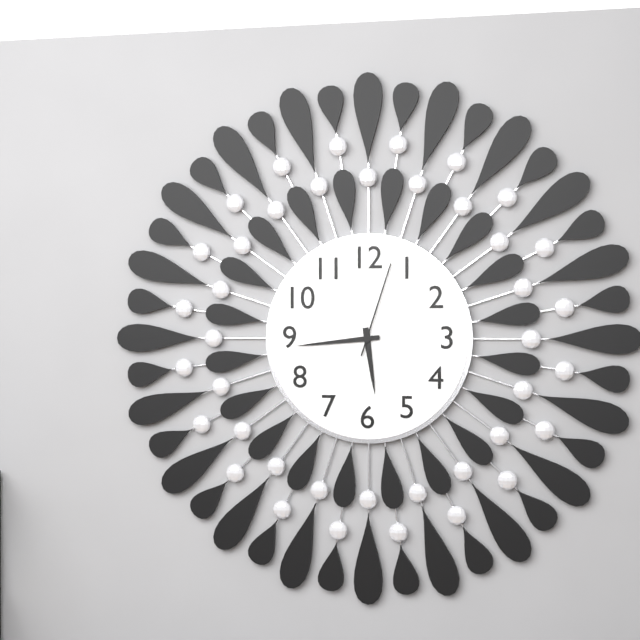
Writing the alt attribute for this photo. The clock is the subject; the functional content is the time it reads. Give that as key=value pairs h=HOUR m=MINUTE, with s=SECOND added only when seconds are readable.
h=5 m=44 s=3
